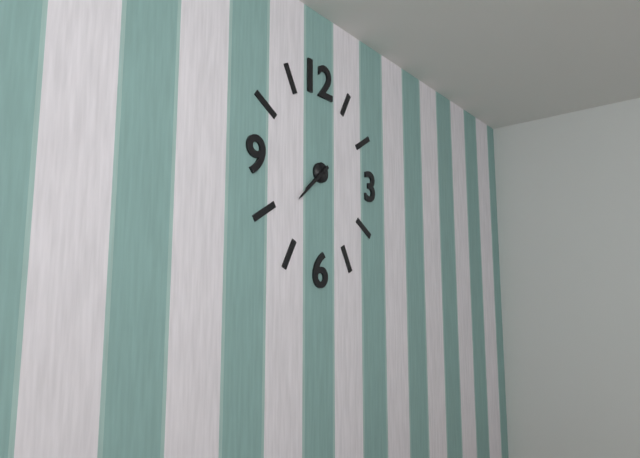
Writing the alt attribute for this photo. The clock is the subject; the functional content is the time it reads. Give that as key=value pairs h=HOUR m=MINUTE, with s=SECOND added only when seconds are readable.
h=7 m=38
